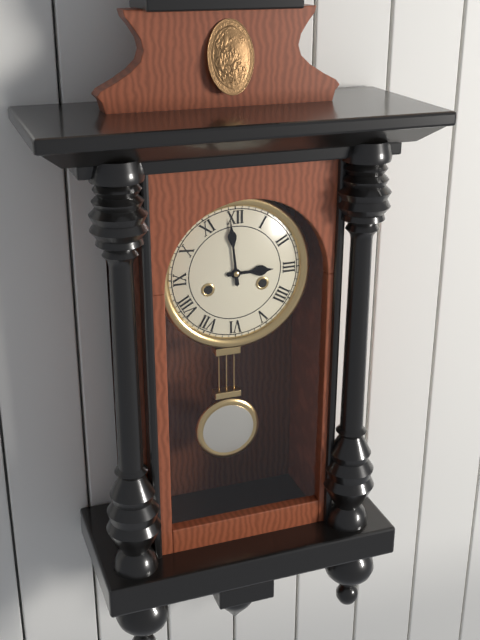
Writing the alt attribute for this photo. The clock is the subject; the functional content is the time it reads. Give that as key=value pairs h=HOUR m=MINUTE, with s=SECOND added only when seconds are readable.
h=2 m=59
